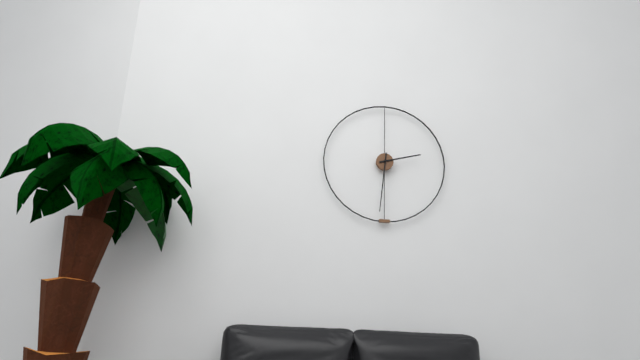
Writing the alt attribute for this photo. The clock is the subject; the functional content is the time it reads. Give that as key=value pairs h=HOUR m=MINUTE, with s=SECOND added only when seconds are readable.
h=2 m=31
